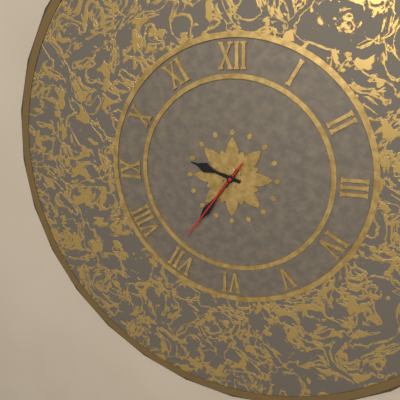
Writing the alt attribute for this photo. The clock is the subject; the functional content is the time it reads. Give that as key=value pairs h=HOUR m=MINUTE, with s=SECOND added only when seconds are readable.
h=9 m=36 s=36
